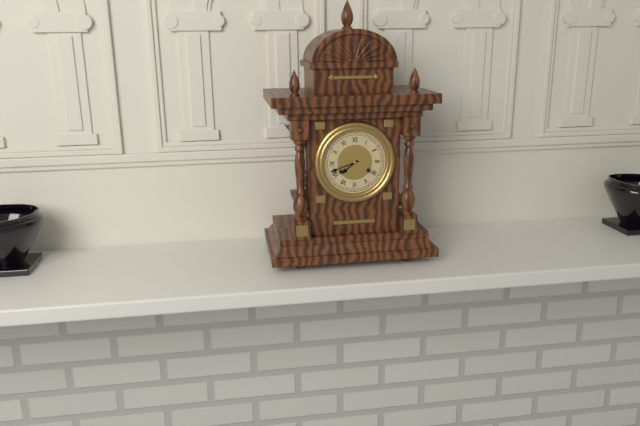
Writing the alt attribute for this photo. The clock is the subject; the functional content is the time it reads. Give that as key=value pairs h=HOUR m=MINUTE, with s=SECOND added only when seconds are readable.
h=7 m=42
